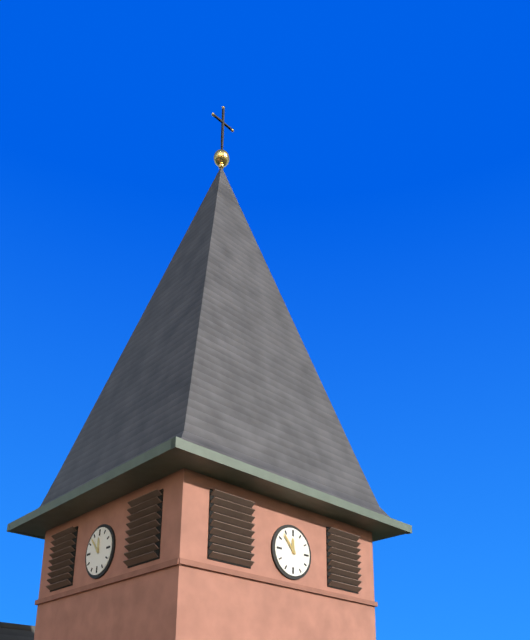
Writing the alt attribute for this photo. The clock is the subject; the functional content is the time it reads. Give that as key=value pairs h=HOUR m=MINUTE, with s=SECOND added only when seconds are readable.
h=11 m=53
